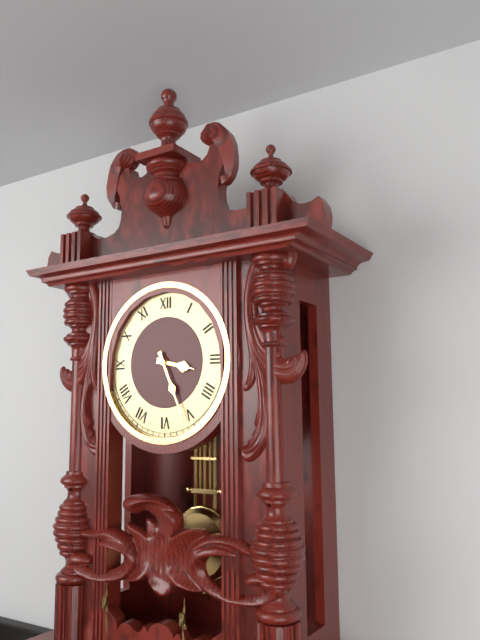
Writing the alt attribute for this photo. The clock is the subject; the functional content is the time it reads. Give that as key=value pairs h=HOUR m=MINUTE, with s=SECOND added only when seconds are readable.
h=3 m=26
